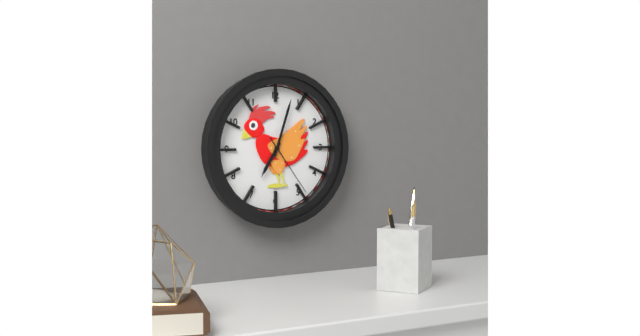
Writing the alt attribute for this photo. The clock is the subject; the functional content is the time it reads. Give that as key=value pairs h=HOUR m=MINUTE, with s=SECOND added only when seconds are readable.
h=7 m=3 s=24
